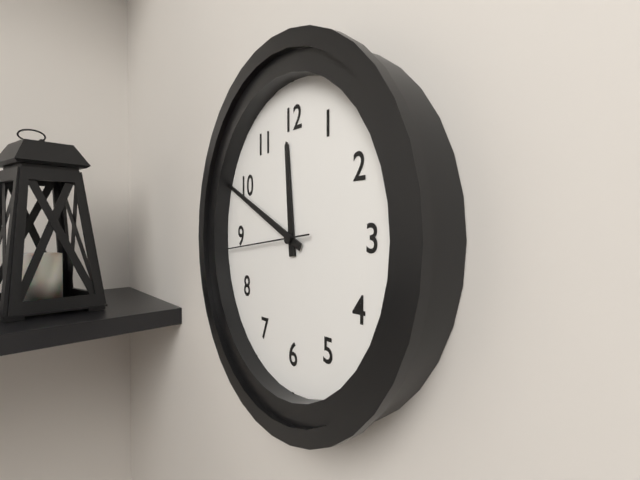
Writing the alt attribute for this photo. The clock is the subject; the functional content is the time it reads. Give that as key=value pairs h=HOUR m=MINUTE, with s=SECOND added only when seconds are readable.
h=11 m=49 s=44
